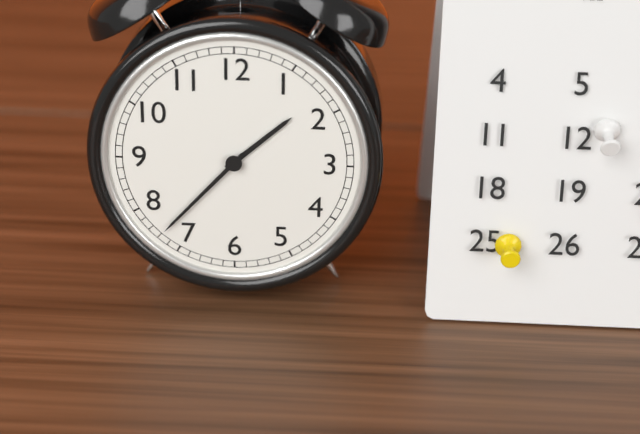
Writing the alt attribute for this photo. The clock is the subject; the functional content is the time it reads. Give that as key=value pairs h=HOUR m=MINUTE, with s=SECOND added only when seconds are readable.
h=1 m=37
